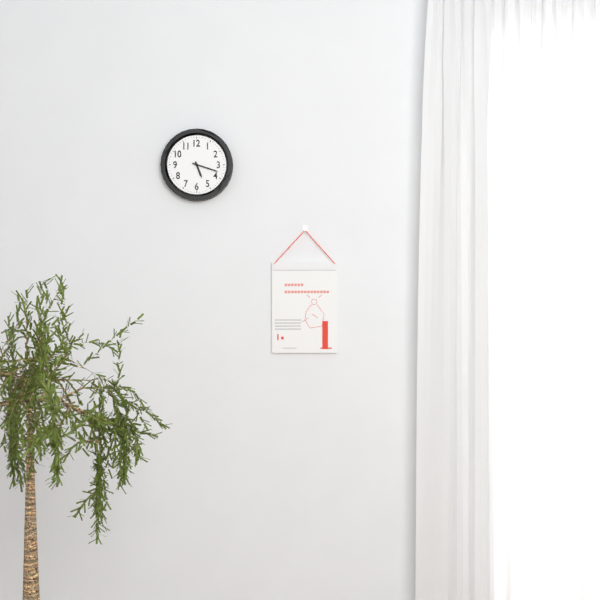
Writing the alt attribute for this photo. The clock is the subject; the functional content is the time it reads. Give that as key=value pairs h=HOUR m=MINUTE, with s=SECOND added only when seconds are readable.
h=5 m=18
